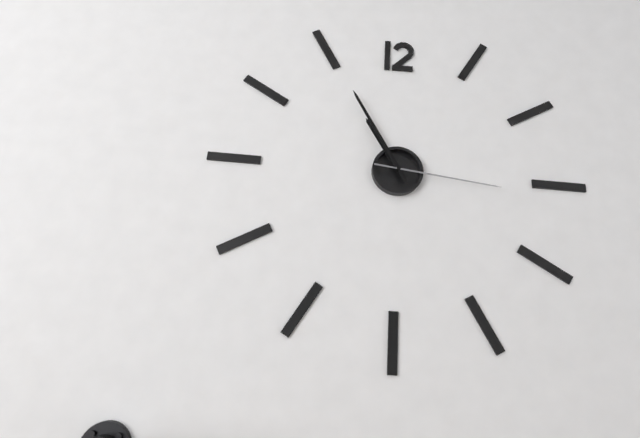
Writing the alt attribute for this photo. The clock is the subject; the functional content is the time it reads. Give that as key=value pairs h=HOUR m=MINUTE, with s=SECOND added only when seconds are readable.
h=10 m=55 s=16
